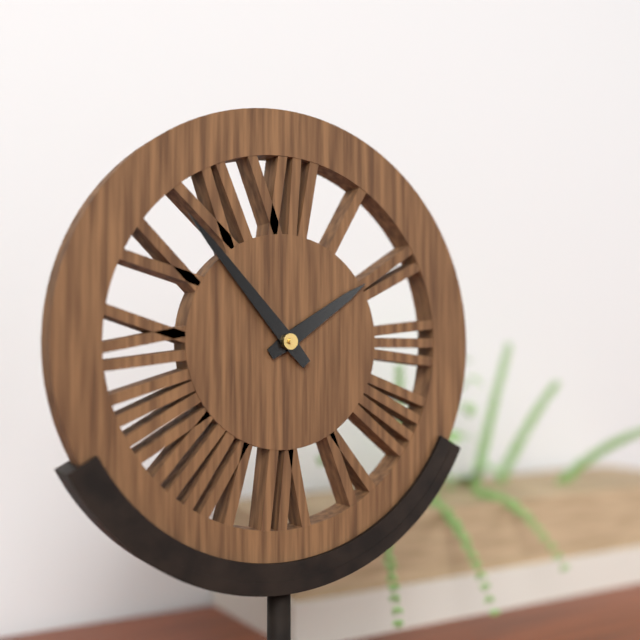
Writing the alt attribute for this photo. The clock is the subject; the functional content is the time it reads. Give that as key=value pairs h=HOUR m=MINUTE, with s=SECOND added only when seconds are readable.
h=1 m=53
